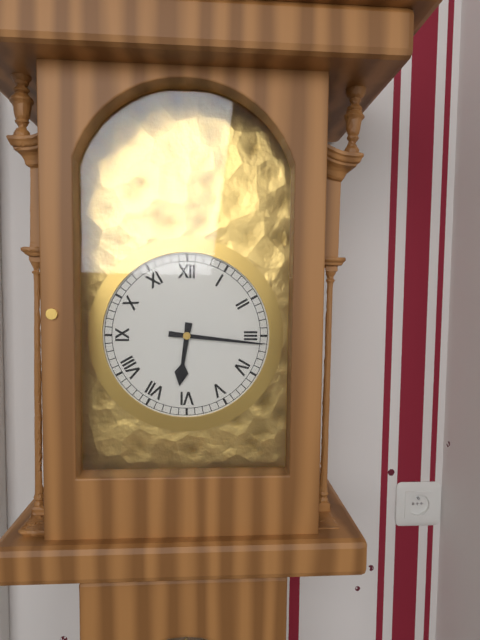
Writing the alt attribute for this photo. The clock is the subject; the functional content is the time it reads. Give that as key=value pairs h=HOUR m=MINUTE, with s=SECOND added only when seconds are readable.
h=6 m=16
